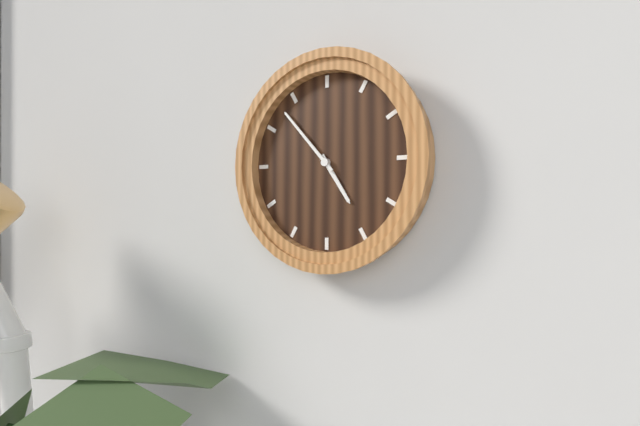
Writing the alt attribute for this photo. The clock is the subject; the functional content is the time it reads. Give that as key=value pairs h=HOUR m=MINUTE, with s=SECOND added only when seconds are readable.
h=4 m=53
